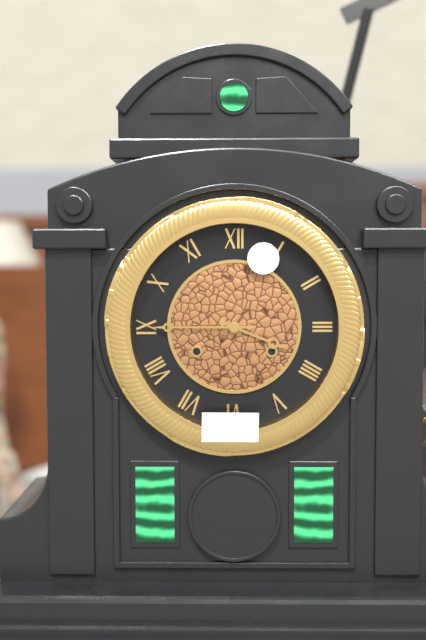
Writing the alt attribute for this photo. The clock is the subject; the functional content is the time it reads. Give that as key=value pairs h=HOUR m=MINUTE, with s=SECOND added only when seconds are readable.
h=3 m=45
